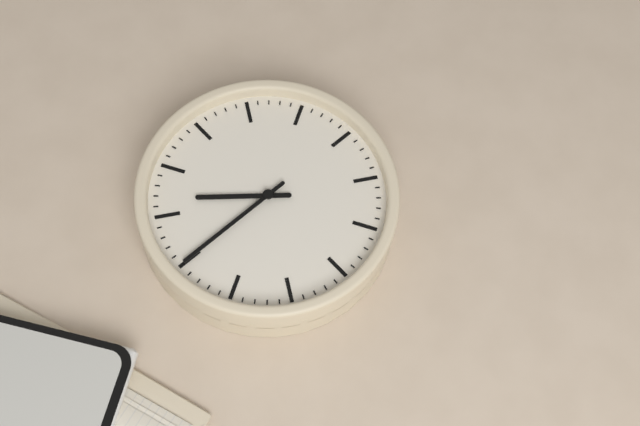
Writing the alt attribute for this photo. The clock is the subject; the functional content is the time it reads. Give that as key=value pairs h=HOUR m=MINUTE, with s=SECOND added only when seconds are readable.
h=5 m=20
